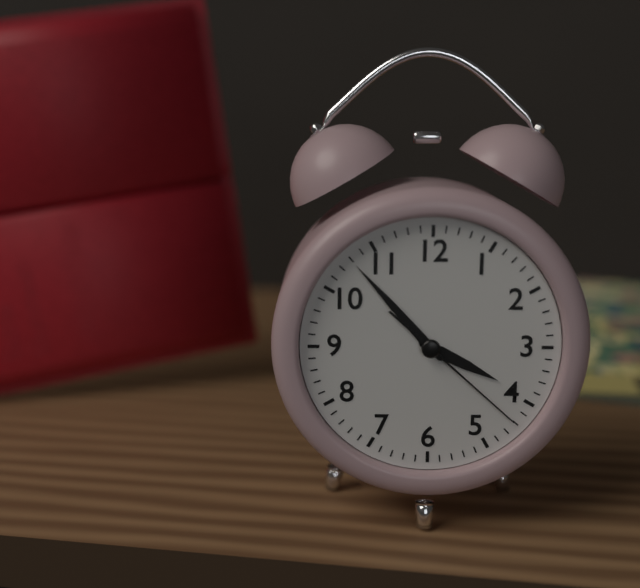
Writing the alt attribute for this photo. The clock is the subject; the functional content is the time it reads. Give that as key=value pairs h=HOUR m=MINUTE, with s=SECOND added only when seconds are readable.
h=3 m=53 s=22
